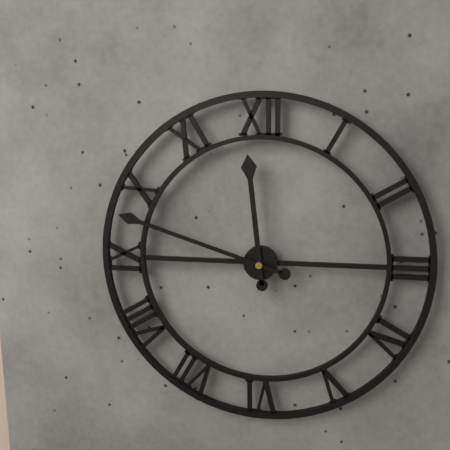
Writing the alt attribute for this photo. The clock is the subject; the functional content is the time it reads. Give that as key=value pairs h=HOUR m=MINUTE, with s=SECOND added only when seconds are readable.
h=11 m=48
